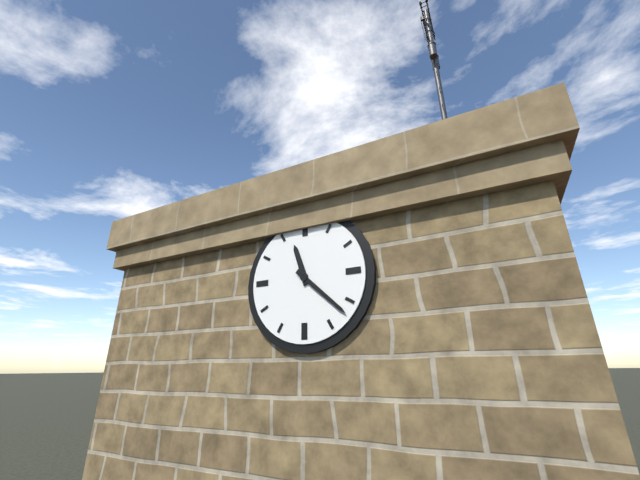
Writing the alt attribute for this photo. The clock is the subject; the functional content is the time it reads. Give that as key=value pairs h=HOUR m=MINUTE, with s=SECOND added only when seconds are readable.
h=11 m=22
